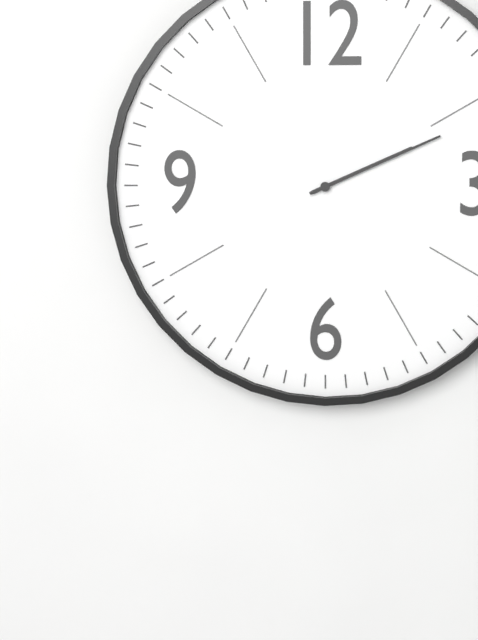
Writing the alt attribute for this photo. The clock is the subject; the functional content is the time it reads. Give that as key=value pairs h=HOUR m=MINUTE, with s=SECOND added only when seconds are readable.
h=2 m=11
